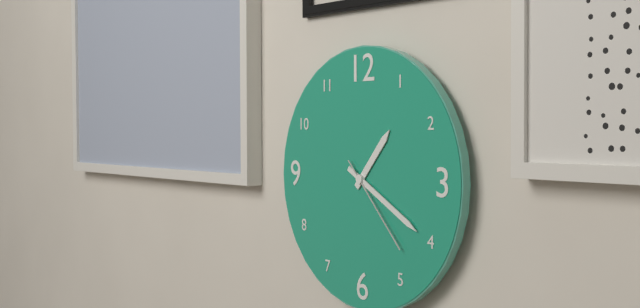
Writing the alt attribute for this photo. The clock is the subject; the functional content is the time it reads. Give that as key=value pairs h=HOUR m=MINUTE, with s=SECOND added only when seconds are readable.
h=1 m=20 s=23
